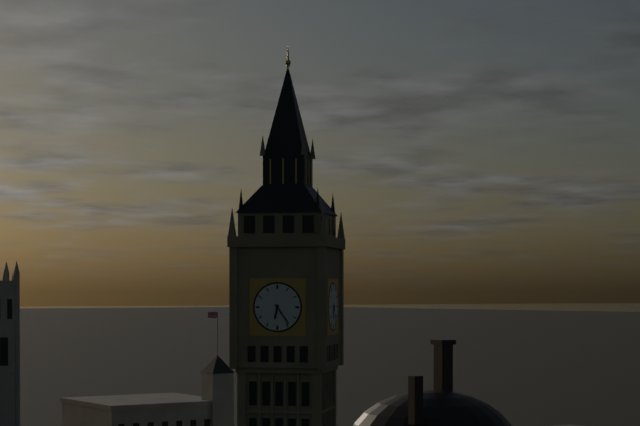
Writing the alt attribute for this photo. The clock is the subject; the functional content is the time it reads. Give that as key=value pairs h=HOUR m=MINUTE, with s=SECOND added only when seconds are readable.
h=6 m=24
